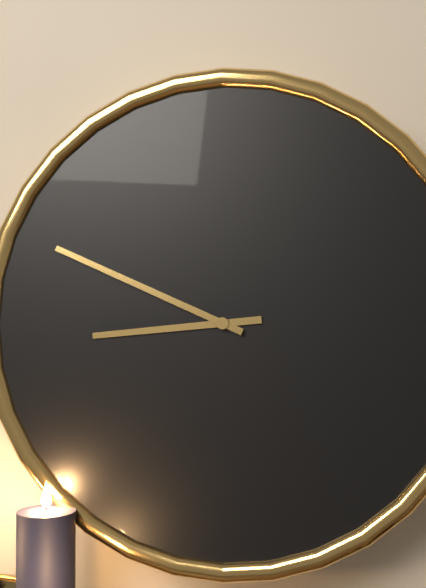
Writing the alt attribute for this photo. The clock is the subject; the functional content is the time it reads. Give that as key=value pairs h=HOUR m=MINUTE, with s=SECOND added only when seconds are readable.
h=8 m=49
